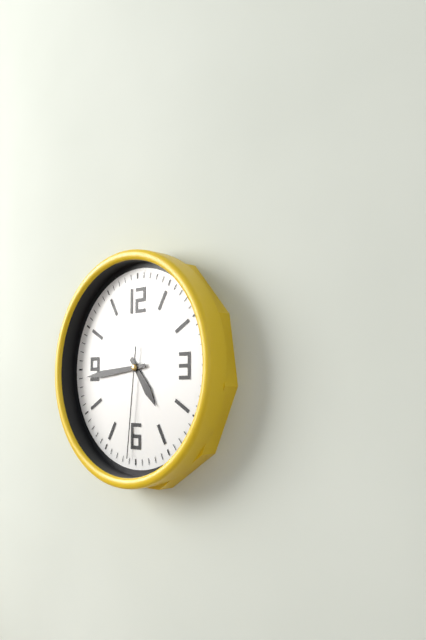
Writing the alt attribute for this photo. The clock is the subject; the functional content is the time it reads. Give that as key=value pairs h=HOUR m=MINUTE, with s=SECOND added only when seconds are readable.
h=4 m=44 s=31
